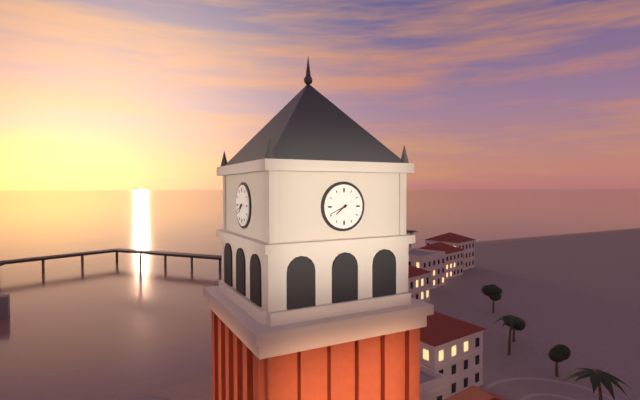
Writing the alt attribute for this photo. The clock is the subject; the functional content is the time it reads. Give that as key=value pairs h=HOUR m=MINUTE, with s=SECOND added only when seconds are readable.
h=7 m=41
